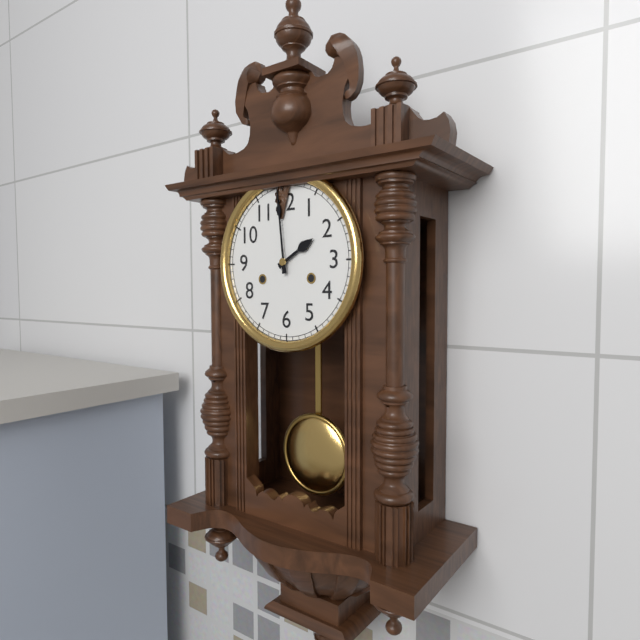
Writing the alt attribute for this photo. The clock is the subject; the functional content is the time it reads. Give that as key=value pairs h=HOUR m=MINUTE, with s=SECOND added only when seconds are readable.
h=1 m=59
